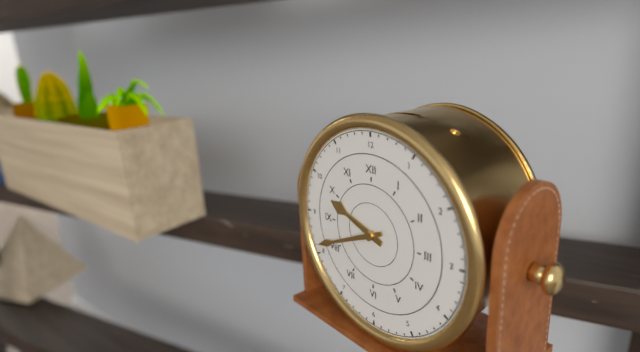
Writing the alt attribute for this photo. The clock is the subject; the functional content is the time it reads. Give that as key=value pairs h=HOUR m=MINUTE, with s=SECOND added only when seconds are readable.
h=9 m=41
